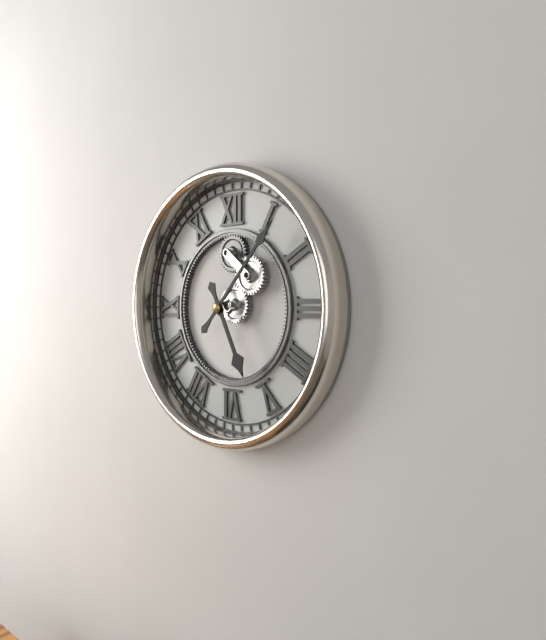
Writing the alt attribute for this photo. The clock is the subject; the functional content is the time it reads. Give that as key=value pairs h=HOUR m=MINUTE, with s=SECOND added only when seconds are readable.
h=5 m=7
